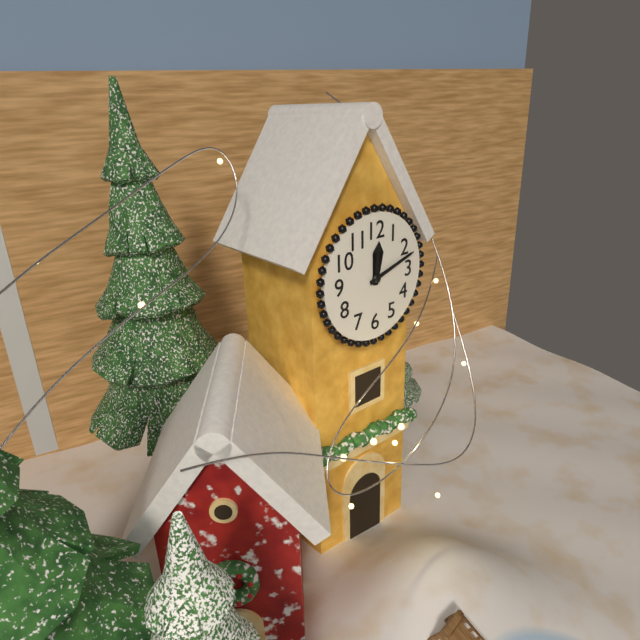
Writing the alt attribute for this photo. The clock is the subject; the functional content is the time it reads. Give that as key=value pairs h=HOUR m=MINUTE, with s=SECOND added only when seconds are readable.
h=12 m=12
